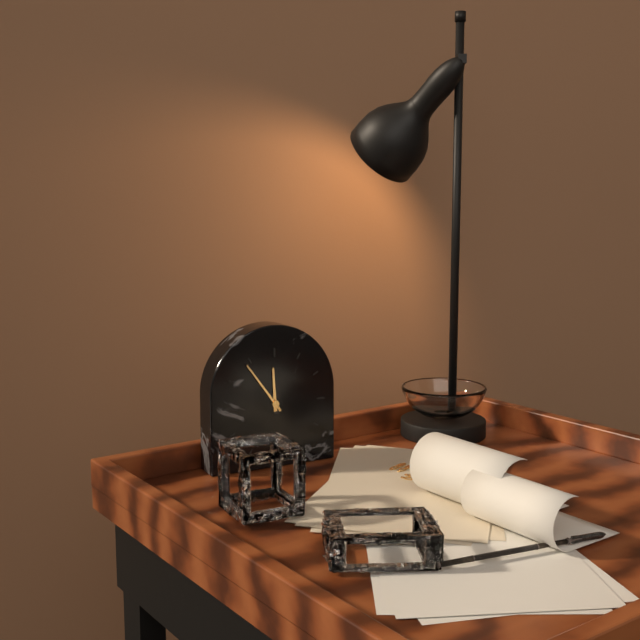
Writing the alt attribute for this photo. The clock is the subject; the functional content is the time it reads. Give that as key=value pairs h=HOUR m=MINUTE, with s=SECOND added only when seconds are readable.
h=11 m=54
